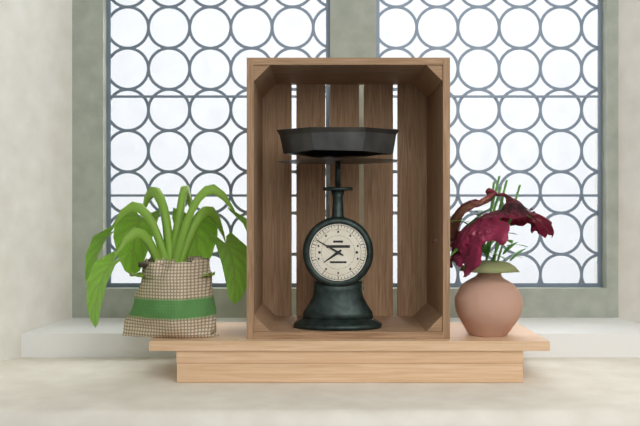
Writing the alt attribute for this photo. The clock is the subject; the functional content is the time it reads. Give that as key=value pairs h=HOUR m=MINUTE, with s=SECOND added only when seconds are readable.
h=7 m=50
